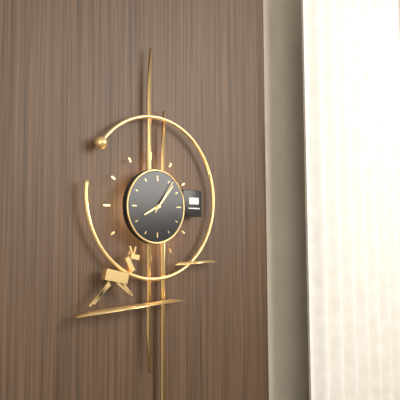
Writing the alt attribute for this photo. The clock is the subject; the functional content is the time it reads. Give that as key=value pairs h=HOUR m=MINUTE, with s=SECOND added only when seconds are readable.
h=8 m=7
